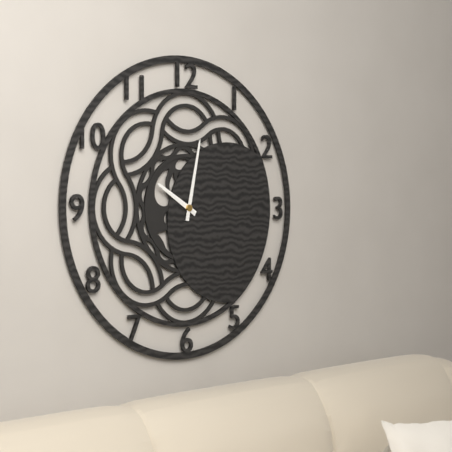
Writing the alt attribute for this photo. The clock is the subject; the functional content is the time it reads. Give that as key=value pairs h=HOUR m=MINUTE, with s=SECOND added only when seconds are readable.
h=10 m=2
